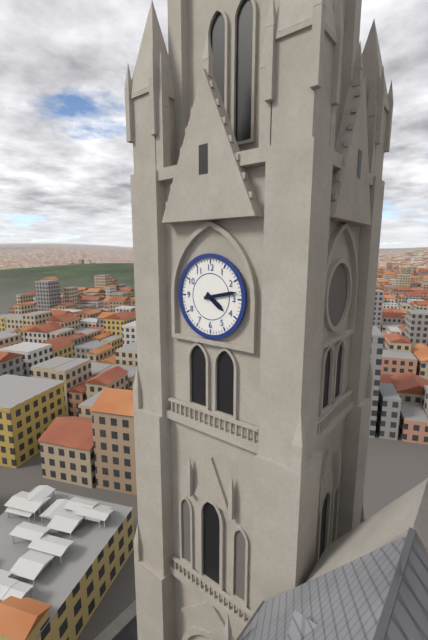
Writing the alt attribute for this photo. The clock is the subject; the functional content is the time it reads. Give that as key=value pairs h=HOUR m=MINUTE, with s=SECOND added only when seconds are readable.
h=4 m=13
